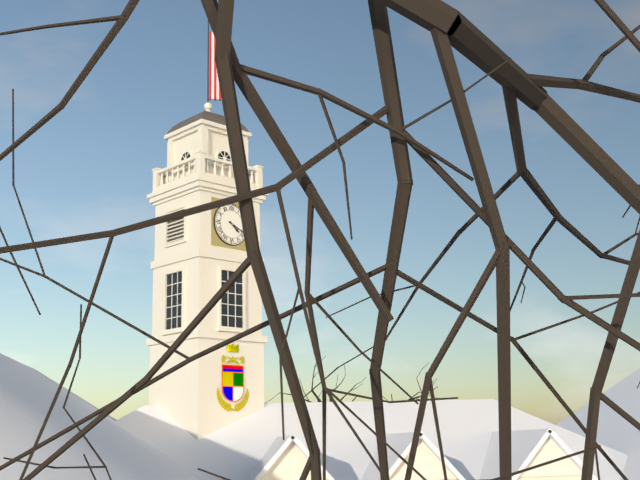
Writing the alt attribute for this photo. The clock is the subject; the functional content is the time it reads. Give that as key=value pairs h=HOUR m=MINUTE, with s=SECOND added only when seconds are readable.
h=4 m=19
